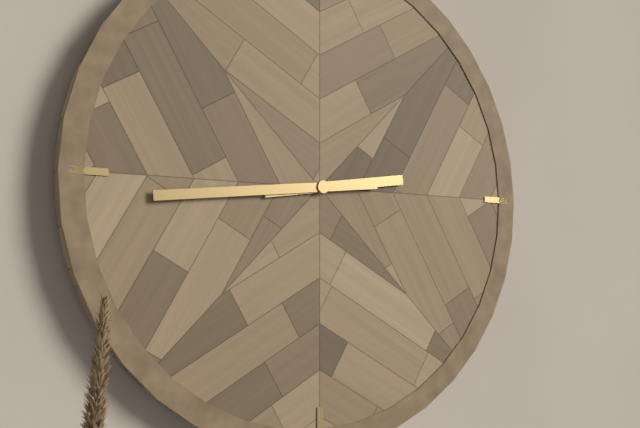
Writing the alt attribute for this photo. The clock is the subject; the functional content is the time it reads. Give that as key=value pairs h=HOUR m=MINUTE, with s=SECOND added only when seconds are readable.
h=2 m=44
